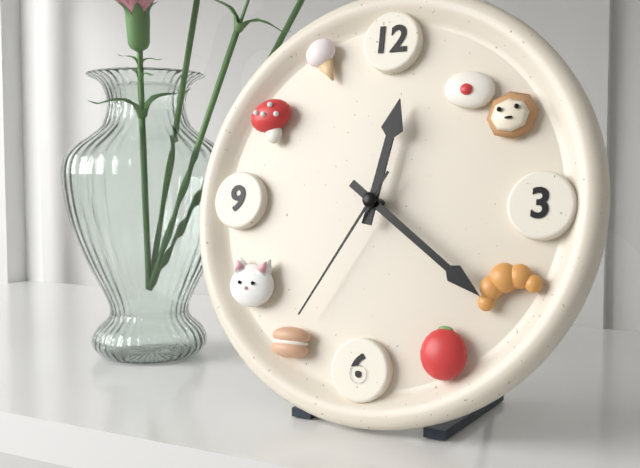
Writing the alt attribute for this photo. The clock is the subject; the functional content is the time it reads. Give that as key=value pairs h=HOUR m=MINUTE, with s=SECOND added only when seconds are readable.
h=12 m=21 s=35
